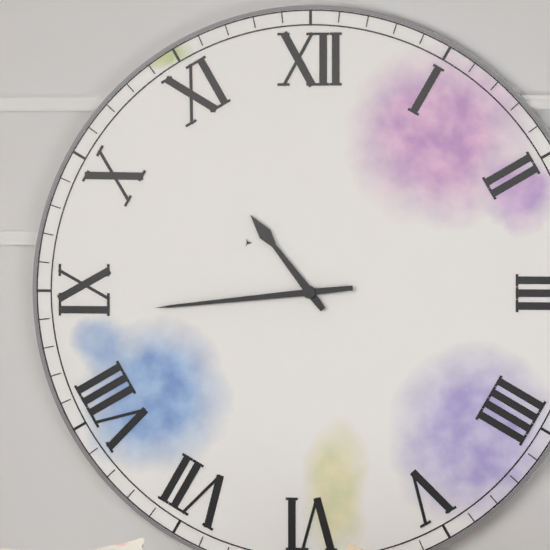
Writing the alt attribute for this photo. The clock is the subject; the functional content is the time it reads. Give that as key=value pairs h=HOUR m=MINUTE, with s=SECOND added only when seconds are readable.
h=10 m=44
